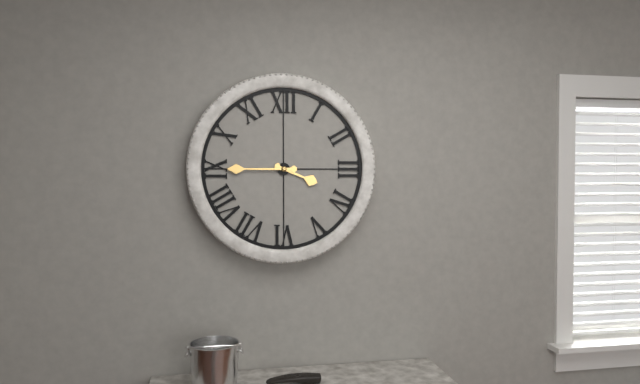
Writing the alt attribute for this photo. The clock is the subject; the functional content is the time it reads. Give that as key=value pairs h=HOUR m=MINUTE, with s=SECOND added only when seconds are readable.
h=3 m=45
